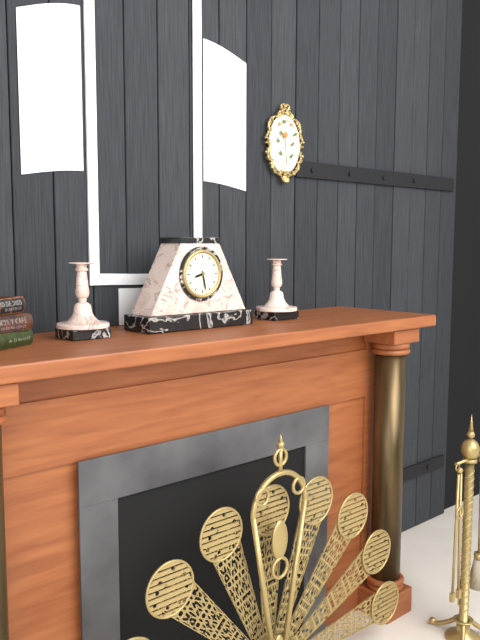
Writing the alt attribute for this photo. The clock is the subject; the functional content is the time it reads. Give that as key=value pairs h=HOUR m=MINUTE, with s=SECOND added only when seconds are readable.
h=8 m=28
